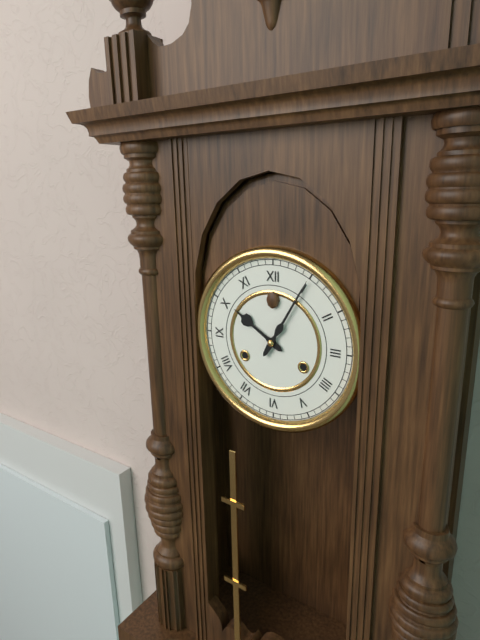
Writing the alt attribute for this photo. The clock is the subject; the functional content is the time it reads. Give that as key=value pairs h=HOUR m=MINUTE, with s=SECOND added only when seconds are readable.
h=10 m=5
